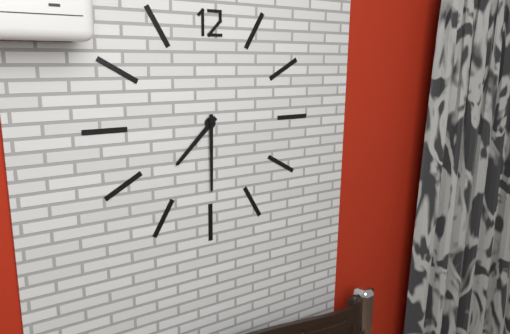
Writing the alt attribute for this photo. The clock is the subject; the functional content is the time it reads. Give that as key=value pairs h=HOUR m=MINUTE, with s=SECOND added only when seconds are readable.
h=7 m=30
